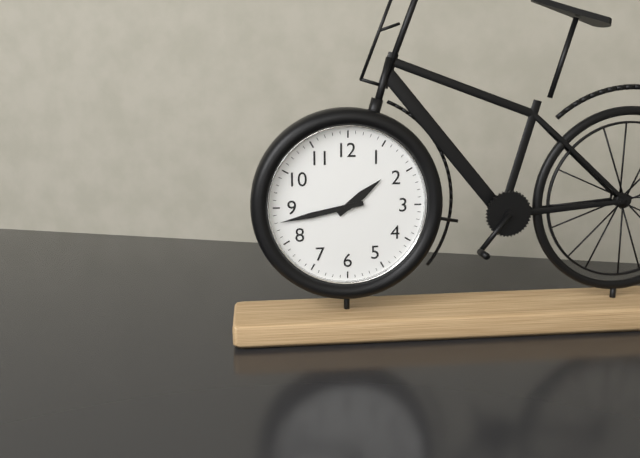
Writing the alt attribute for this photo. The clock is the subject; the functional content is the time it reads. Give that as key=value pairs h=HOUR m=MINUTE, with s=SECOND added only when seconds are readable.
h=1 m=43
